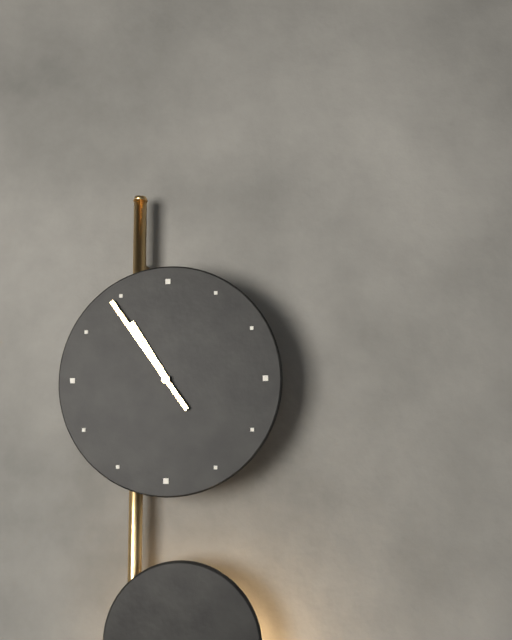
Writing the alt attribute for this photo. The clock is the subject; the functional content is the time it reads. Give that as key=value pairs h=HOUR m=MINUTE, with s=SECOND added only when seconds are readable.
h=10 m=54
